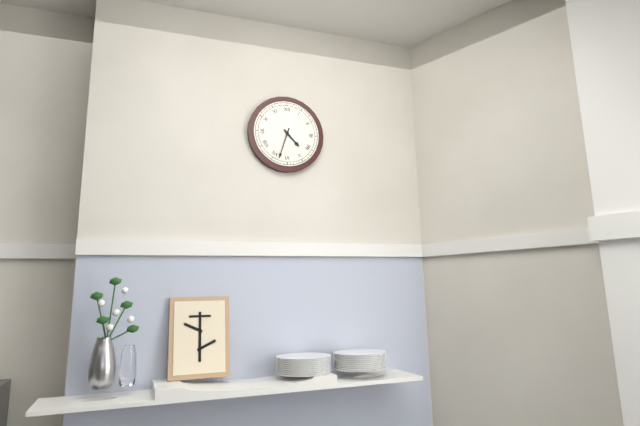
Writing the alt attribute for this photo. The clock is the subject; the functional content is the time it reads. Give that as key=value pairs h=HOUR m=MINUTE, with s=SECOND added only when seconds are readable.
h=4 m=33
